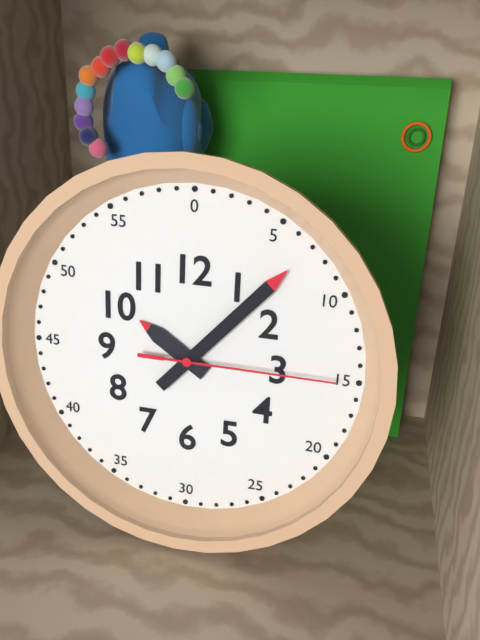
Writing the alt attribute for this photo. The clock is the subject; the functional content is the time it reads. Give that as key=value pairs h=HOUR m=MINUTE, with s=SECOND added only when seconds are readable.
h=10 m=7 s=15
